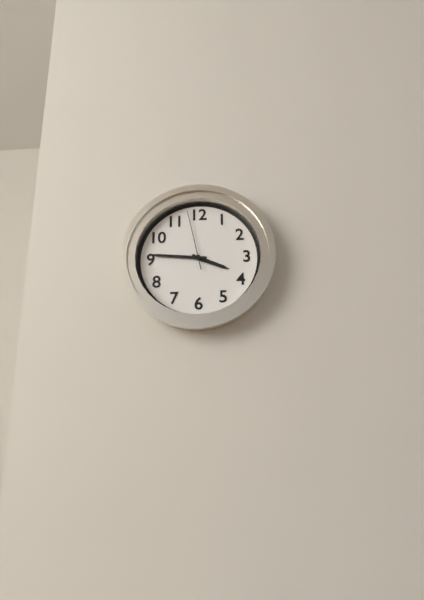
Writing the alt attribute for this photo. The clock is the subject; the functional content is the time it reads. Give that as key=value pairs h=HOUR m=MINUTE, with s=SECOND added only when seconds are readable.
h=3 m=46 s=58
